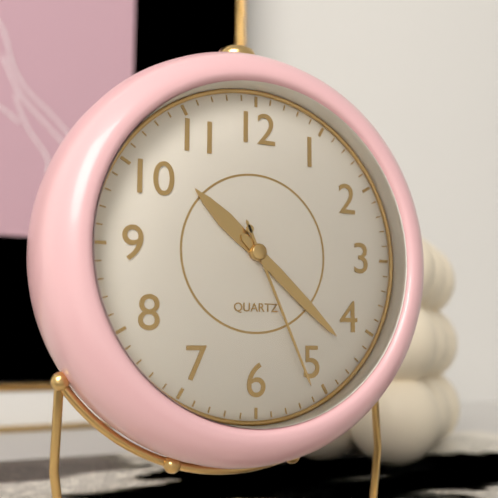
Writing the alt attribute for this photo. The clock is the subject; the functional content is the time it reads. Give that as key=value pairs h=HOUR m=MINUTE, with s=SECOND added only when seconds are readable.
h=10 m=22 s=26
